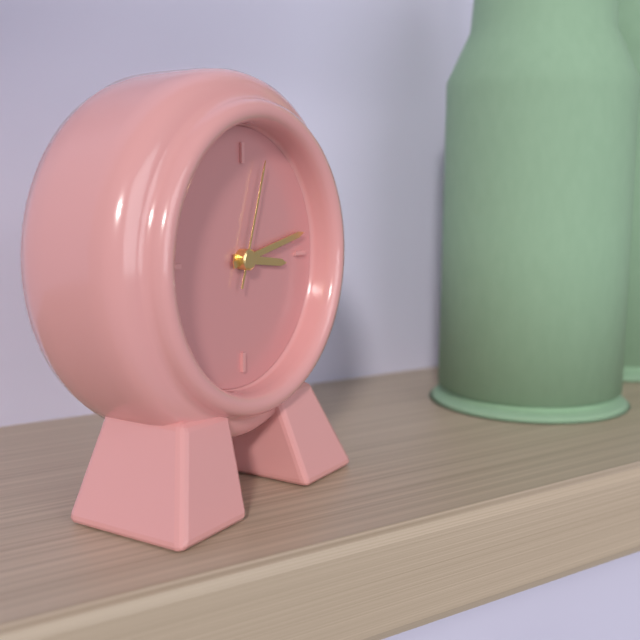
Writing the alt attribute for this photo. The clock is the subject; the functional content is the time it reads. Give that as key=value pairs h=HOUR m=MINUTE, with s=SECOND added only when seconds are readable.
h=3 m=13 s=3
